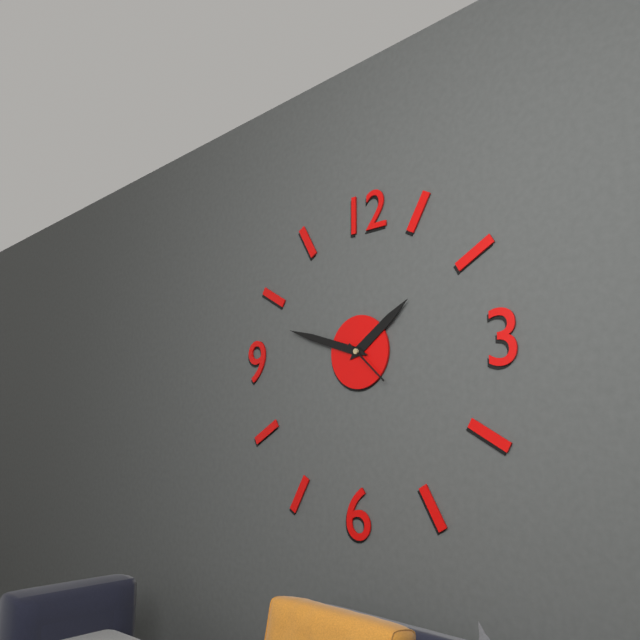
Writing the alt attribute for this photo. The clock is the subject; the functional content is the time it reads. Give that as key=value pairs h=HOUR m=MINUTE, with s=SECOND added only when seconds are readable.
h=1 m=48
